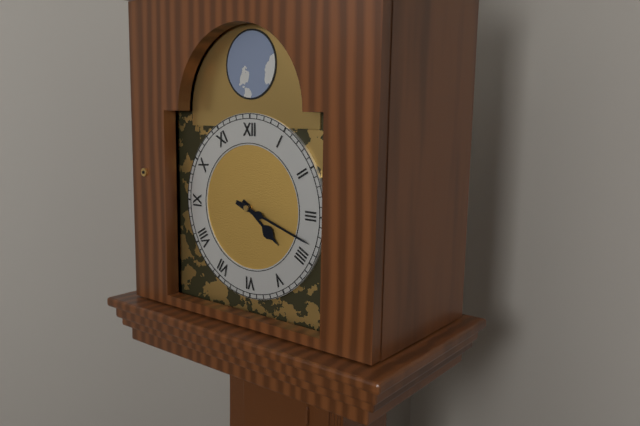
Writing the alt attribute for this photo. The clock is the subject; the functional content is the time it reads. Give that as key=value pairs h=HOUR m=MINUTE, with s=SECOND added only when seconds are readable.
h=4 m=18
